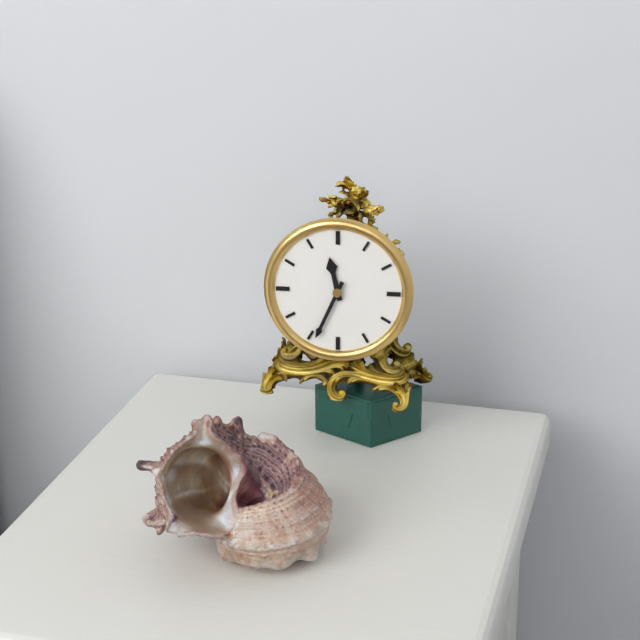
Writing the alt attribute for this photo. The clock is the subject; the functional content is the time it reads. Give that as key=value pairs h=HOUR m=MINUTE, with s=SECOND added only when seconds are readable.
h=11 m=34
